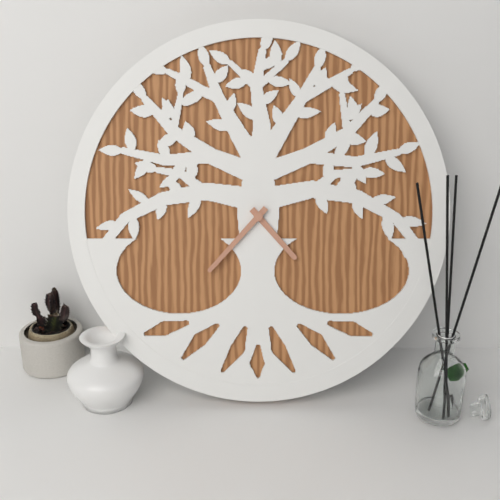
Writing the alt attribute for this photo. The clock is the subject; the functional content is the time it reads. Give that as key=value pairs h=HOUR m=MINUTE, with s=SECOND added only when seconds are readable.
h=4 m=37
